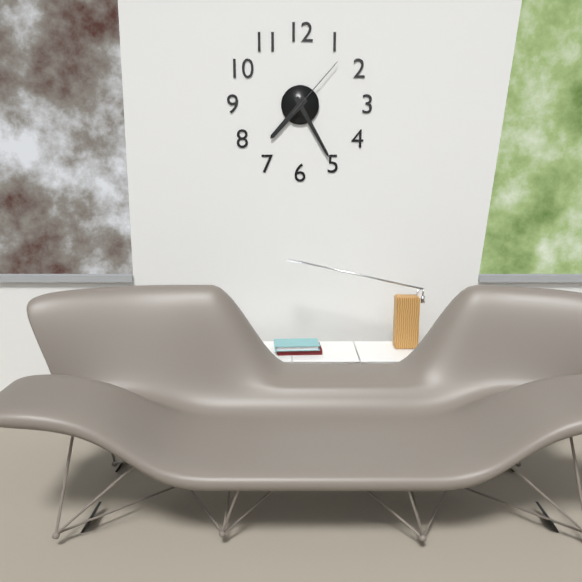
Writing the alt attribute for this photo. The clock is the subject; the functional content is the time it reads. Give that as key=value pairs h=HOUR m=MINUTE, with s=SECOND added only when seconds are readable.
h=7 m=25 s=7
